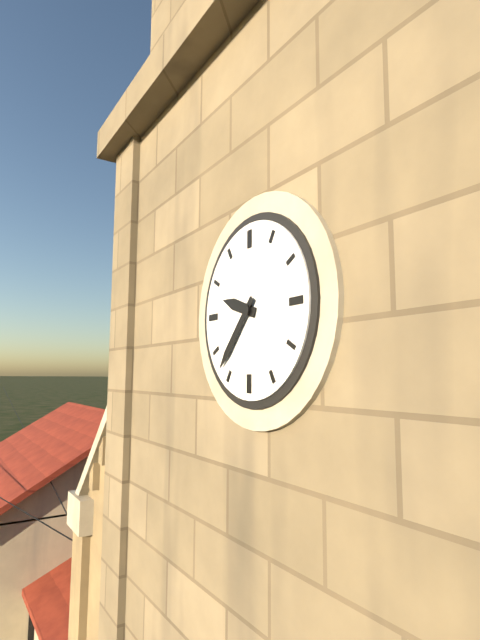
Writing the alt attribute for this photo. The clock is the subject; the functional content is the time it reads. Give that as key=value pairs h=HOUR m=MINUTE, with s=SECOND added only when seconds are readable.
h=9 m=37
